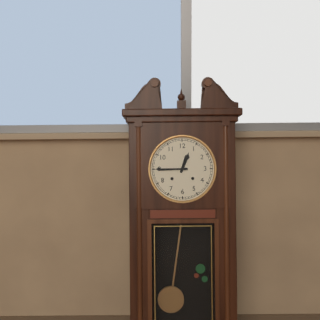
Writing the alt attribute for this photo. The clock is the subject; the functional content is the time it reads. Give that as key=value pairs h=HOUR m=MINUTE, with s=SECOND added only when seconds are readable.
h=12 m=45
